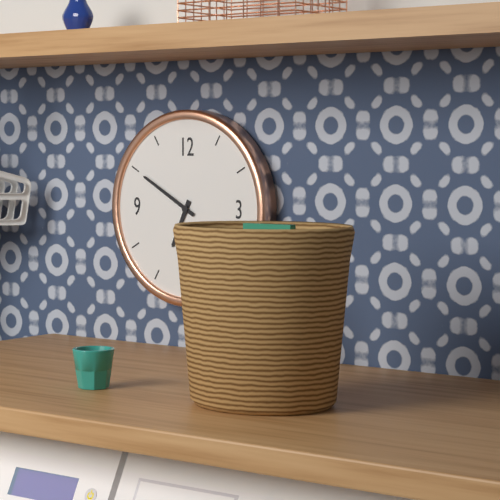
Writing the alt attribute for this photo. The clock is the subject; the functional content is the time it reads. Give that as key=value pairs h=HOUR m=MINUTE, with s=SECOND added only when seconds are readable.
h=6 m=50
